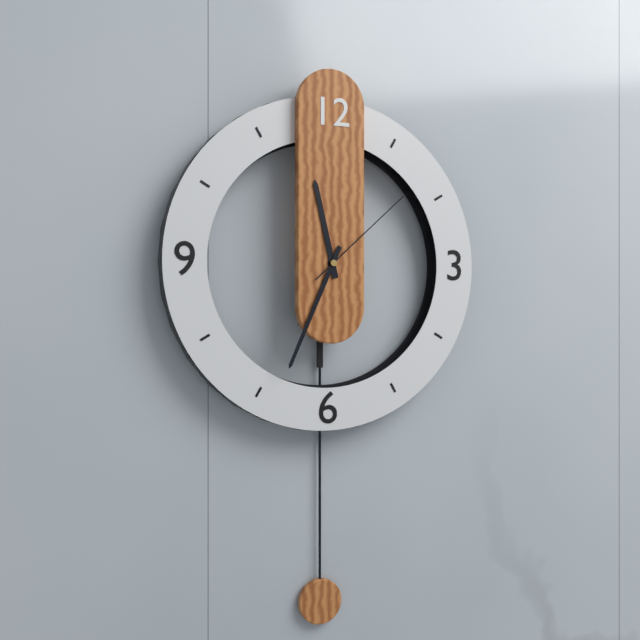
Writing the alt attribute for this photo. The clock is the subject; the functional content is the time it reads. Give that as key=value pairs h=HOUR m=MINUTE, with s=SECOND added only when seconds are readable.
h=11 m=34 s=8
